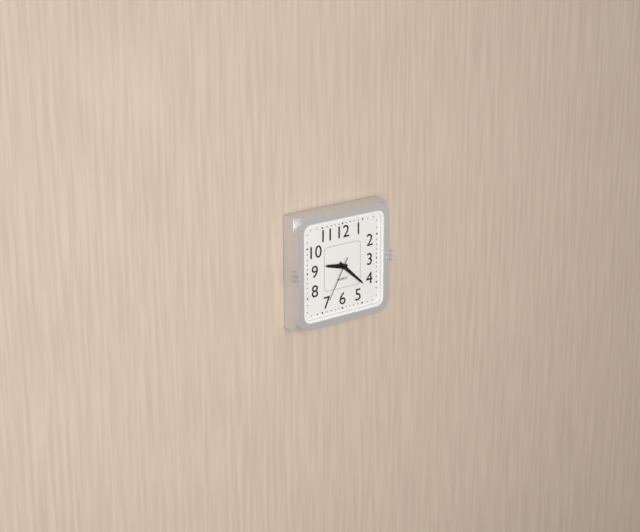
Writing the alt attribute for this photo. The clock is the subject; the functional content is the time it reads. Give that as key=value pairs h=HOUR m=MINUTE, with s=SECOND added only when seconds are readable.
h=9 m=22
